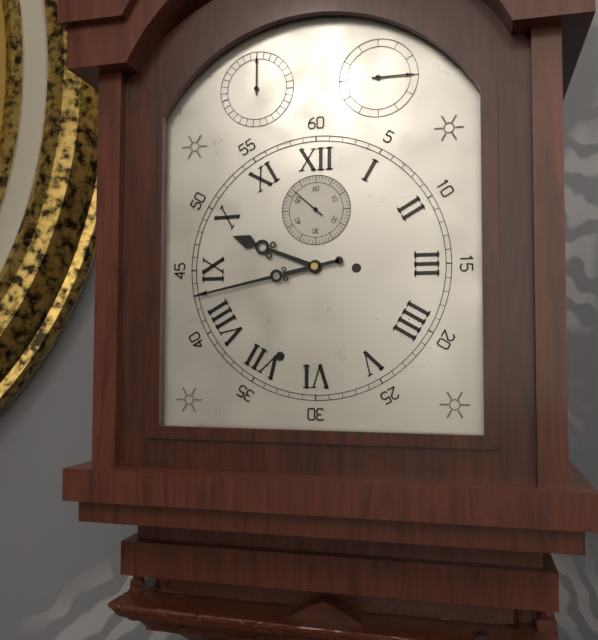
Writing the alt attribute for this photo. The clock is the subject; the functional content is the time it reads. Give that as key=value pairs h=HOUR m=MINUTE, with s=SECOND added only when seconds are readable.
h=9 m=43
